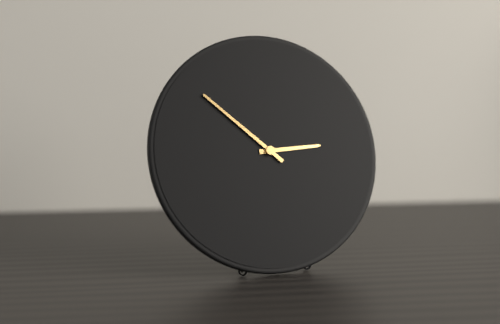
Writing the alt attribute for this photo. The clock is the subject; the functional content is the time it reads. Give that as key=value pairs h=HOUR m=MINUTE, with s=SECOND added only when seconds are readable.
h=2 m=52
